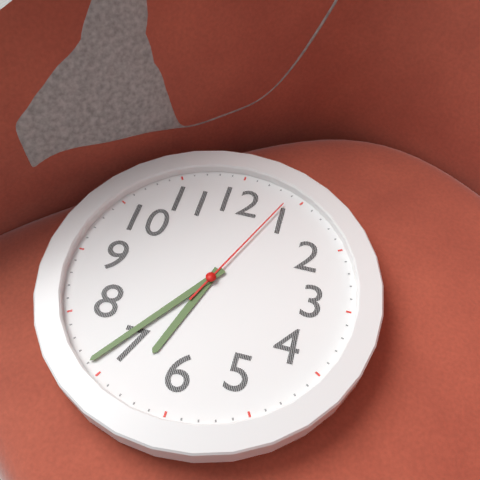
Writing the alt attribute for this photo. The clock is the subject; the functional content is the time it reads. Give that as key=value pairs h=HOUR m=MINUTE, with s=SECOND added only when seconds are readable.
h=6 m=36 s=4
